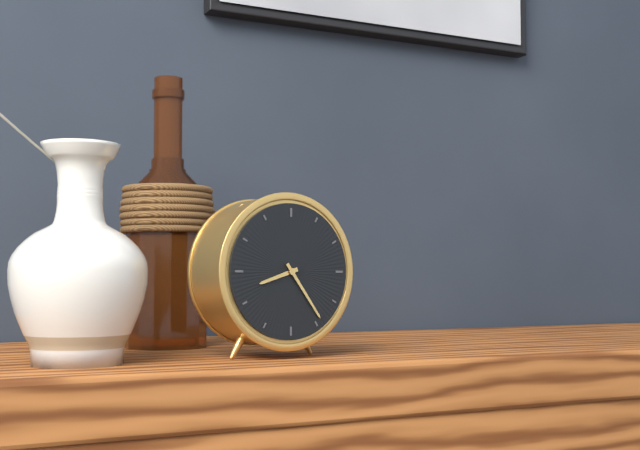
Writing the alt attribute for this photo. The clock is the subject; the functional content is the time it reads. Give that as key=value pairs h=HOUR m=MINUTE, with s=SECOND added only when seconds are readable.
h=8 m=24
